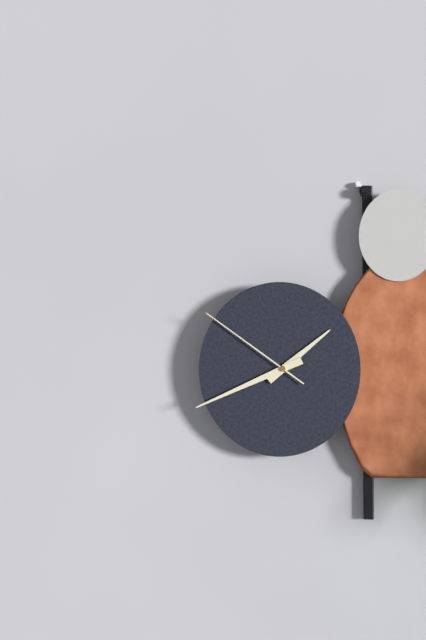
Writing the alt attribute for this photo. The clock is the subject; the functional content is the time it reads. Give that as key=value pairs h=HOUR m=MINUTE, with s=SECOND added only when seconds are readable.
h=1 m=41 s=51
